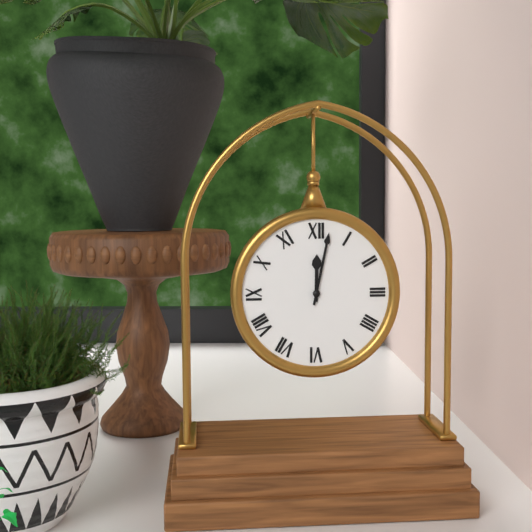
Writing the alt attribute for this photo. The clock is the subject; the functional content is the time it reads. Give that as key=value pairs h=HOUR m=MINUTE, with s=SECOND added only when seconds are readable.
h=12 m=2
